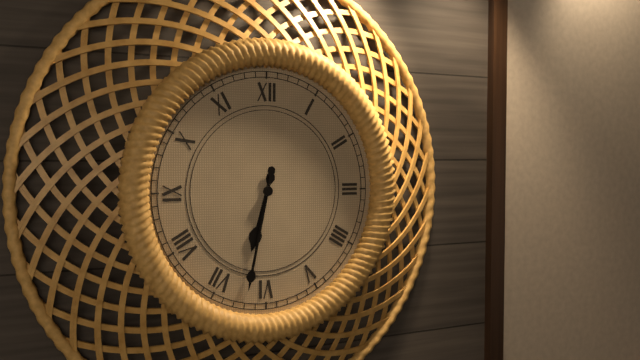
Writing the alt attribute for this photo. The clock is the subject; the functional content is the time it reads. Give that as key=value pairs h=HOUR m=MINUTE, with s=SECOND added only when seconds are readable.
h=6 m=32
